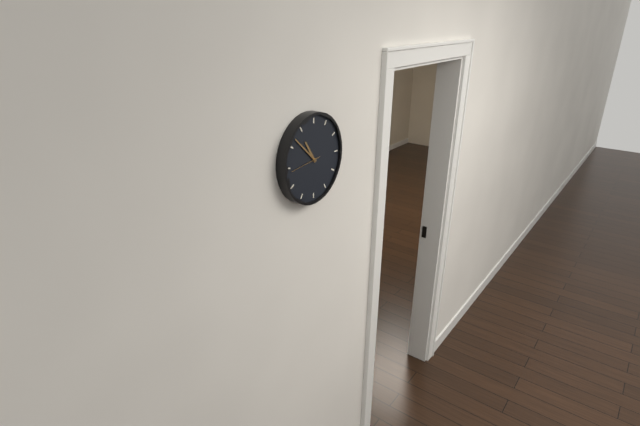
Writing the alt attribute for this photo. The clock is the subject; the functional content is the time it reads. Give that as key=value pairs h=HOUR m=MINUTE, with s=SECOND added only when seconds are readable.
h=10 m=52
